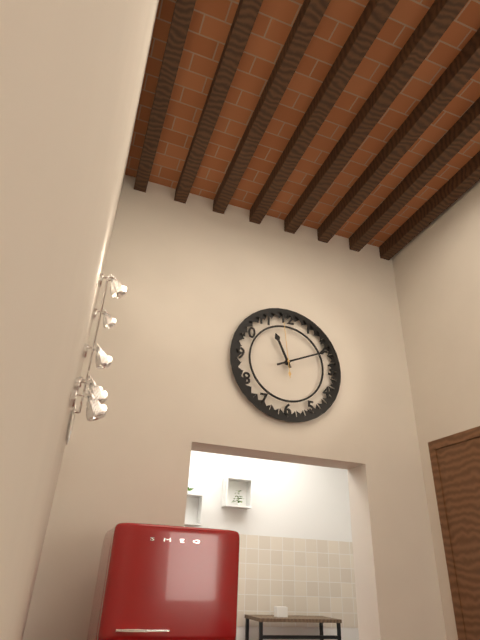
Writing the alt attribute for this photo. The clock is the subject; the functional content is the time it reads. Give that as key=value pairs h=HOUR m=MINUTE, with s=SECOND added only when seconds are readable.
h=11 m=11 s=59
